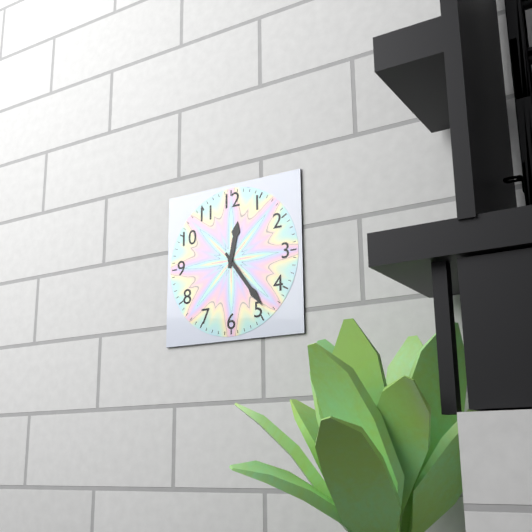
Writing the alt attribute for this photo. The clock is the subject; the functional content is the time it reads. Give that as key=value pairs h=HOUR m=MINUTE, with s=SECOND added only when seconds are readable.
h=12 m=24
